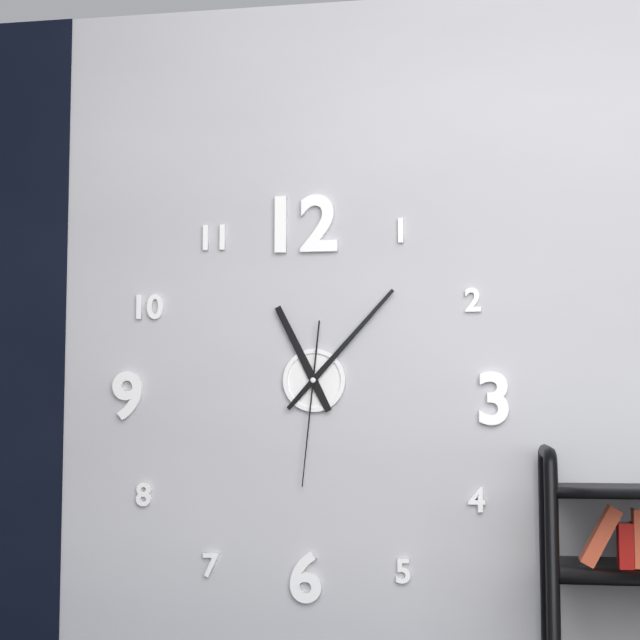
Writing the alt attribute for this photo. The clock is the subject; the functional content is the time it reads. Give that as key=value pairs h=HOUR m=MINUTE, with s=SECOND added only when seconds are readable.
h=11 m=7 s=31
